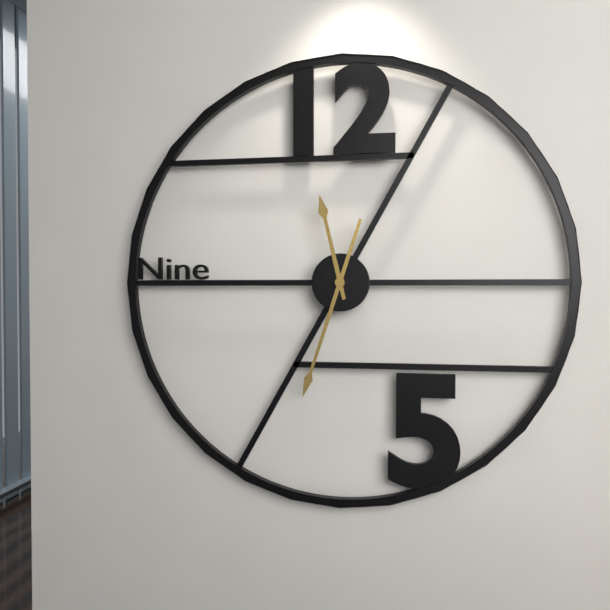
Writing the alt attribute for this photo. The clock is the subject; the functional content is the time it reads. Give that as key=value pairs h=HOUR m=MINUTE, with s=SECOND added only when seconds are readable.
h=11 m=33
